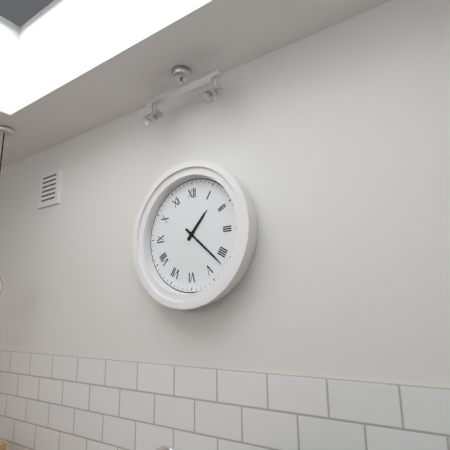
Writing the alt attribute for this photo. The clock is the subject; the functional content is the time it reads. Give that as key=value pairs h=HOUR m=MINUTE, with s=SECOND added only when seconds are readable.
h=1 m=22
